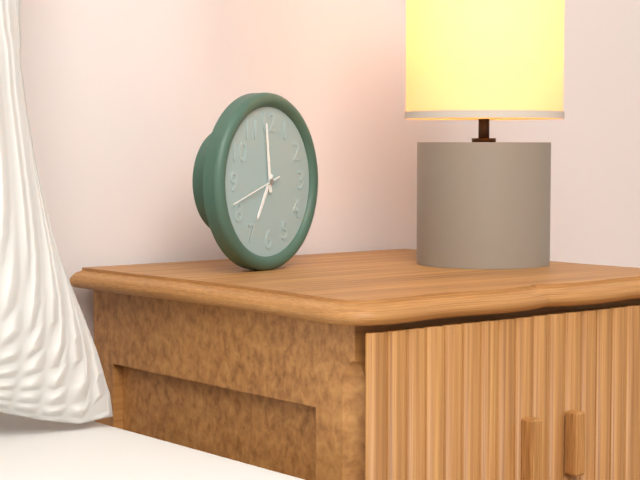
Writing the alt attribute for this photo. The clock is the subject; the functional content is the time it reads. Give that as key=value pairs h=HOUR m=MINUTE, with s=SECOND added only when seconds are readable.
h=6 m=59
